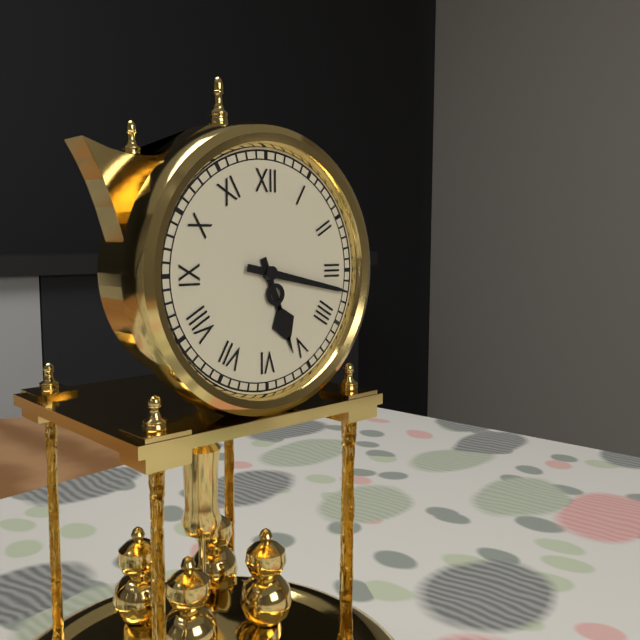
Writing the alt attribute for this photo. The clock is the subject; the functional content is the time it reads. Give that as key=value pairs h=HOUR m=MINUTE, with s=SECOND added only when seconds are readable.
h=5 m=17
